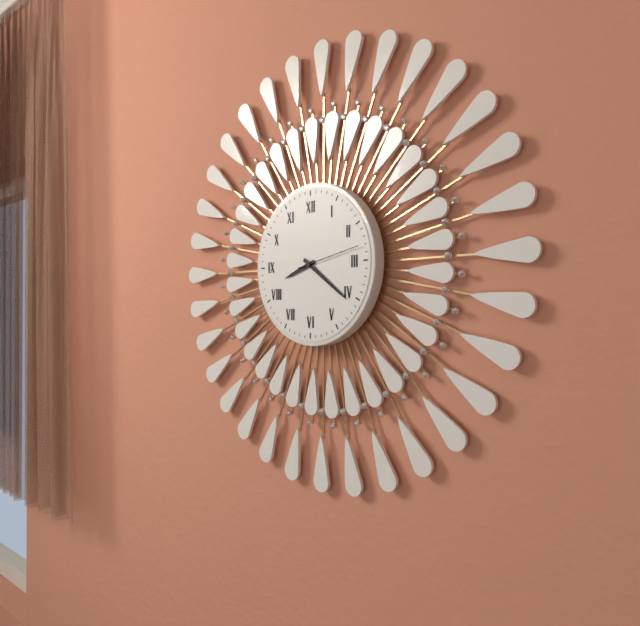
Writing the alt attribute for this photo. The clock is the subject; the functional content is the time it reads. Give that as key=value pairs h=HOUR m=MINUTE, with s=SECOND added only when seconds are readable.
h=8 m=21
